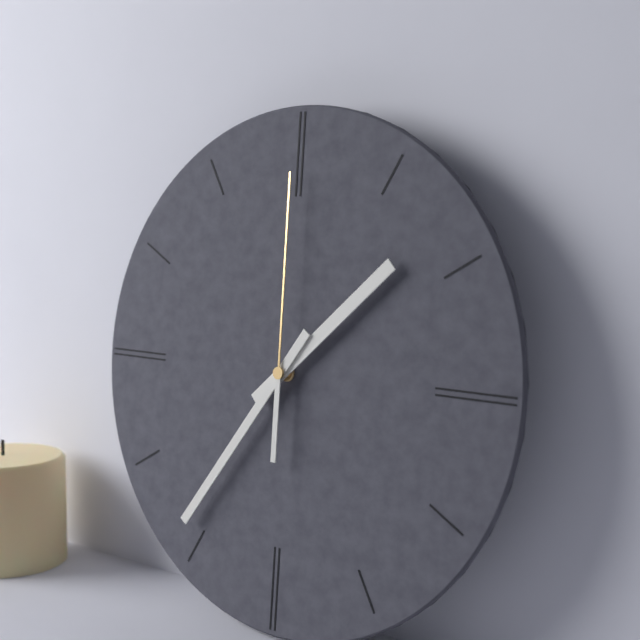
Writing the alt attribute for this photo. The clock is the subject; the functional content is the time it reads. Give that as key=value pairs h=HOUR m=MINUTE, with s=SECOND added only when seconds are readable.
h=1 m=36 s=0
